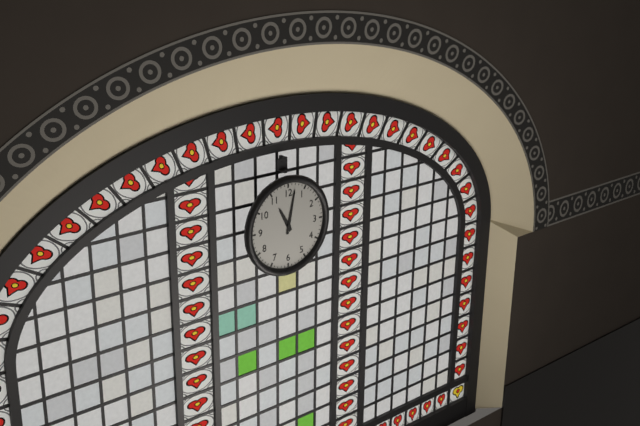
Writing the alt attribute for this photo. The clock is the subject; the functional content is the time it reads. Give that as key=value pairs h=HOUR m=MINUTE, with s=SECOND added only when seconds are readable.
h=11 m=2
